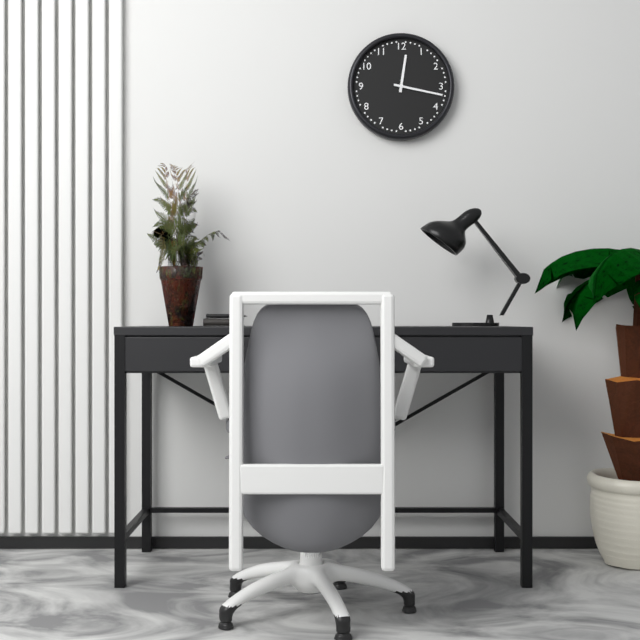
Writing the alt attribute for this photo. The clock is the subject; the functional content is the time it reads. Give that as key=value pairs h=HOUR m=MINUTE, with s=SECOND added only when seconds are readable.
h=12 m=17
